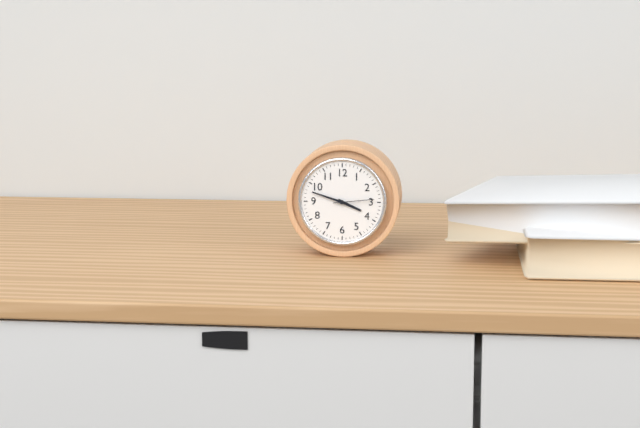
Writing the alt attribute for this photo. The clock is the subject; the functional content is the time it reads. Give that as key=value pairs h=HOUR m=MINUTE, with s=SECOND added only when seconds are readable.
h=3 m=48
